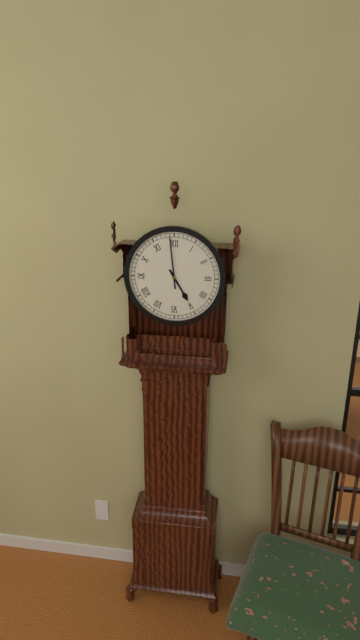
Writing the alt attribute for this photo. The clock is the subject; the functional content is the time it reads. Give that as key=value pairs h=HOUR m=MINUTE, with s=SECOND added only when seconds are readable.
h=4 m=59
